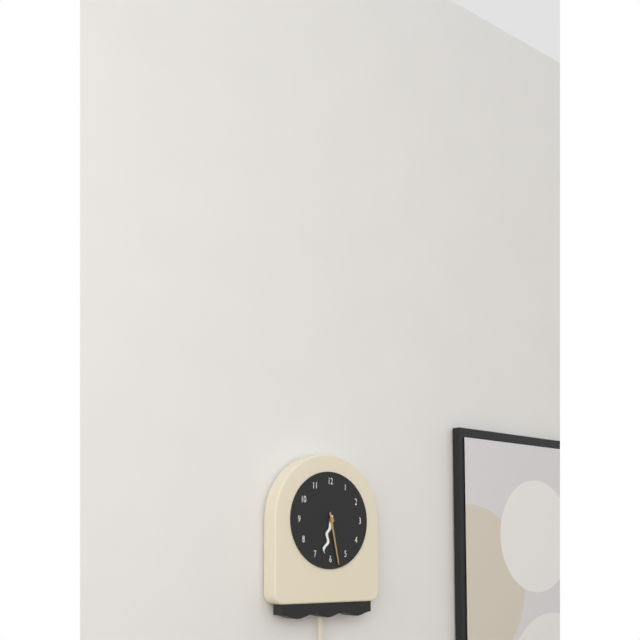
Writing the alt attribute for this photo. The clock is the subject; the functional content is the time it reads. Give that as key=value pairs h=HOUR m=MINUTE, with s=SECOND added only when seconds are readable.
h=6 m=28
